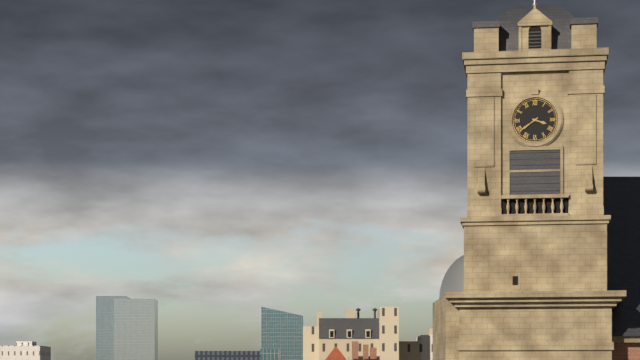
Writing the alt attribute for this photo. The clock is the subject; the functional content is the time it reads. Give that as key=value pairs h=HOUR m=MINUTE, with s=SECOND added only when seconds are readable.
h=3 m=39
